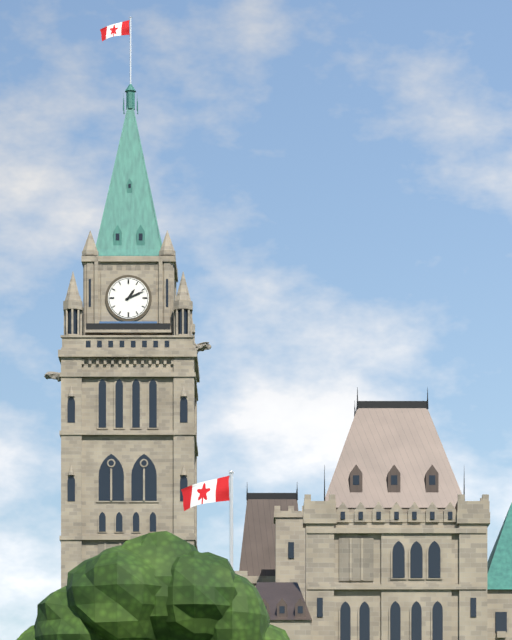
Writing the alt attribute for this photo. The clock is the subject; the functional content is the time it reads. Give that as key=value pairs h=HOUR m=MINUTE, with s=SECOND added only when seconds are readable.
h=1 m=11
